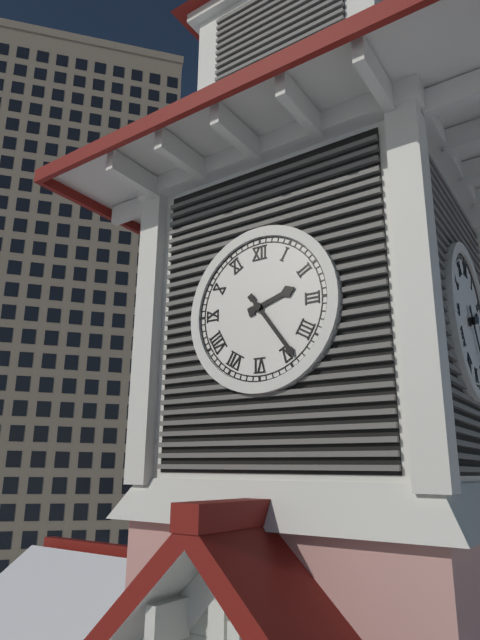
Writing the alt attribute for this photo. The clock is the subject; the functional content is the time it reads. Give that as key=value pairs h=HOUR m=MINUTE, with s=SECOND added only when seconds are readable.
h=2 m=24
